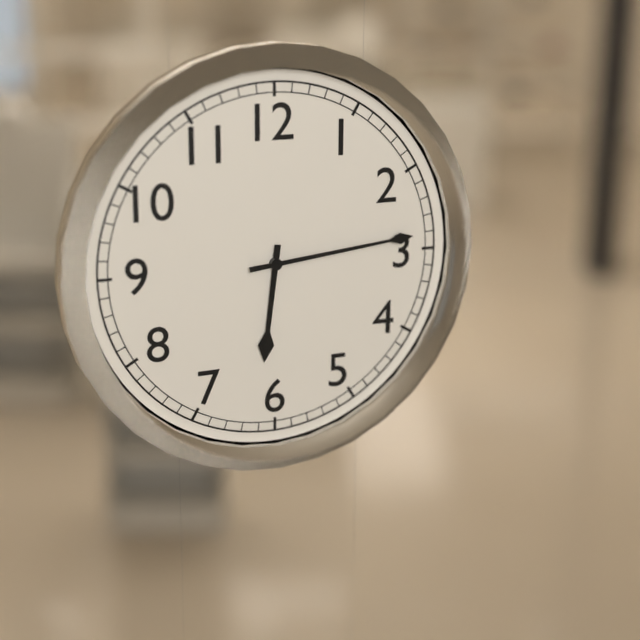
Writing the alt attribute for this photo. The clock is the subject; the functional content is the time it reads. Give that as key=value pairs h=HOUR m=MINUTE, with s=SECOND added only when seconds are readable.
h=6 m=14
